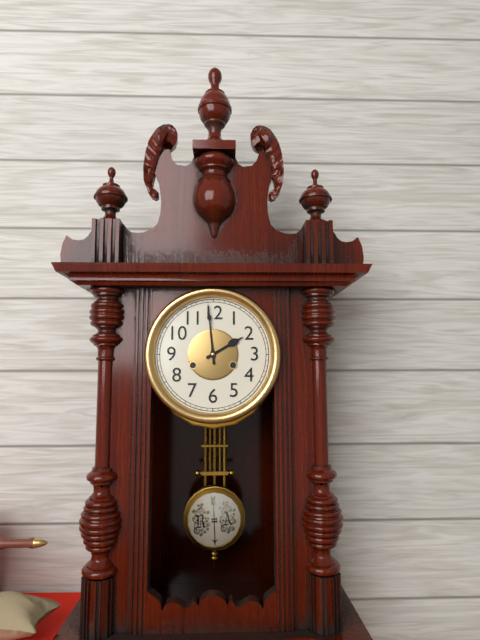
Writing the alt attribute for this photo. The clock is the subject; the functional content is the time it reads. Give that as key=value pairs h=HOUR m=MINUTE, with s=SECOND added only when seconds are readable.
h=1 m=59
